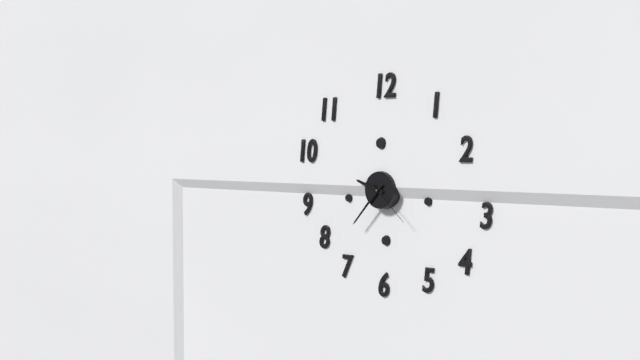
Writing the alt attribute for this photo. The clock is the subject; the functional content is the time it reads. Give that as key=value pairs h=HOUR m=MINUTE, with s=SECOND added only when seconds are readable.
h=9 m=37 s=22
